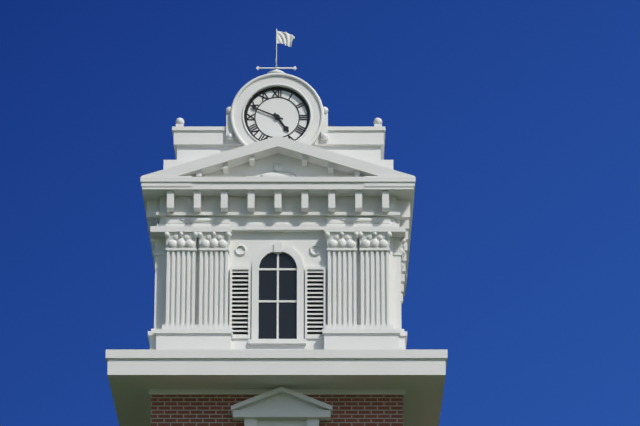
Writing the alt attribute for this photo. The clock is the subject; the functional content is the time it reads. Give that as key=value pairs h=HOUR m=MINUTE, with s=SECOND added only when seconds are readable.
h=4 m=49
